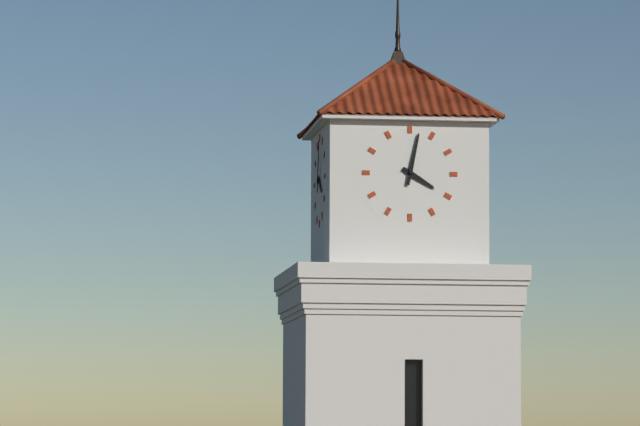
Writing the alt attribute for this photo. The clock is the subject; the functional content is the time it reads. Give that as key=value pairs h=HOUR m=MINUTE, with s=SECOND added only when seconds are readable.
h=4 m=2
